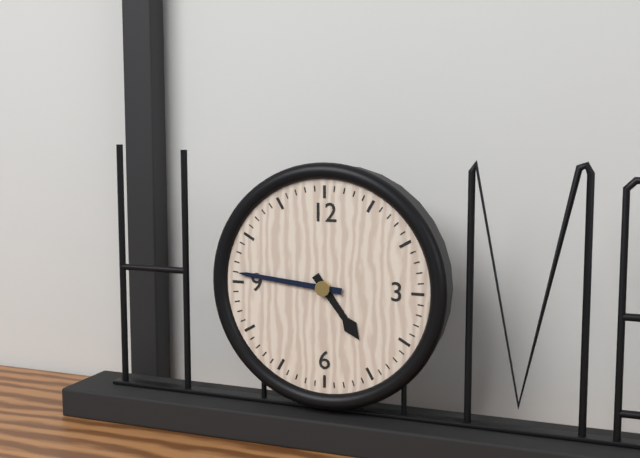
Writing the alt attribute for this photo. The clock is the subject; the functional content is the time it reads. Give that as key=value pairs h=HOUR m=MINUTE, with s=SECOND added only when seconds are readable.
h=4 m=46
